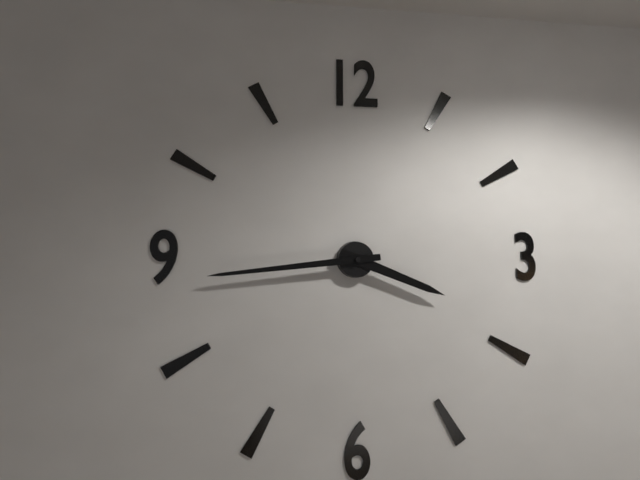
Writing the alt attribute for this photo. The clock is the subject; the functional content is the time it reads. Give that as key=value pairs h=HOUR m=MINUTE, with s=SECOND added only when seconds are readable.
h=3 m=44
